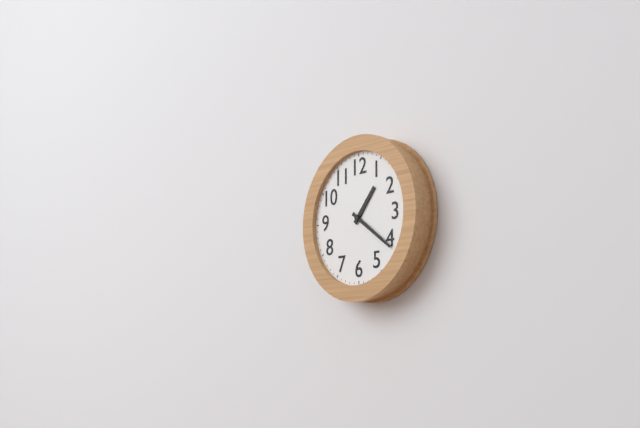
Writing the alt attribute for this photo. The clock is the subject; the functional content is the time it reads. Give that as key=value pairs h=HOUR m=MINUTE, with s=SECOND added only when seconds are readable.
h=1 m=21
